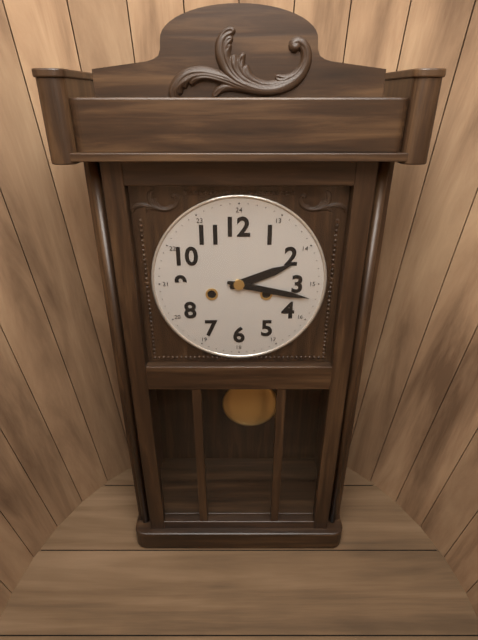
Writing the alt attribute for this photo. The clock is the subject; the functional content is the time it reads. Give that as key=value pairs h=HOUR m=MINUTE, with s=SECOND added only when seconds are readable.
h=2 m=17
